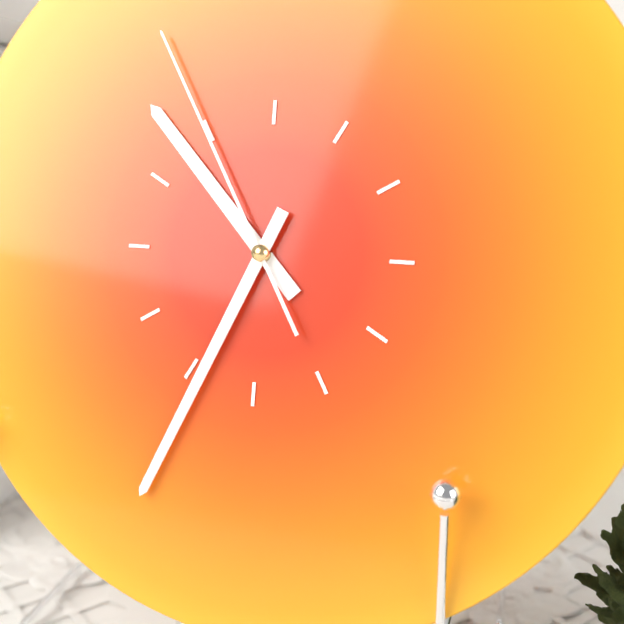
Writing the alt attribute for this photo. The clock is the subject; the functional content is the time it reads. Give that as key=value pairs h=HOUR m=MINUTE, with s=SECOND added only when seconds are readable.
h=10 m=34 s=55
